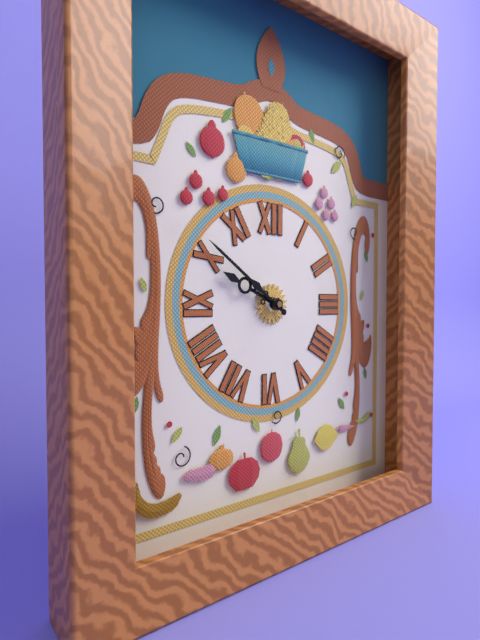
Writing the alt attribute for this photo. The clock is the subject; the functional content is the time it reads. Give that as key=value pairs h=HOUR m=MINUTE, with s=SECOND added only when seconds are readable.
h=9 m=51
